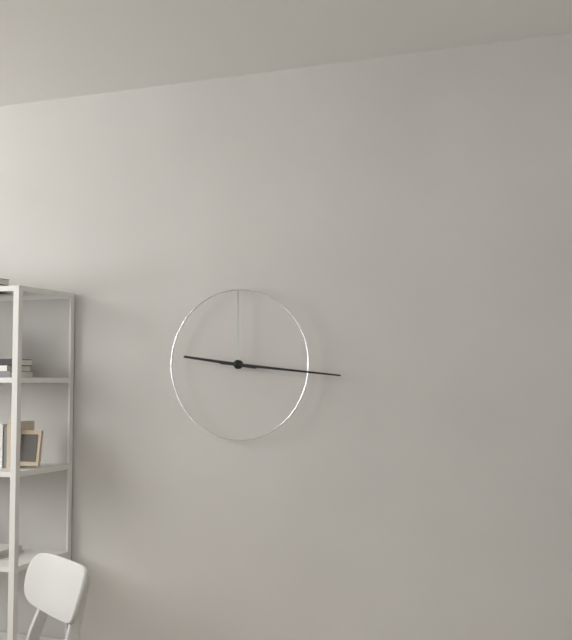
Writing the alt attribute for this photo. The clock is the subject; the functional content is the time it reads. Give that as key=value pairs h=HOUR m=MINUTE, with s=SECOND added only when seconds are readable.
h=9 m=16
